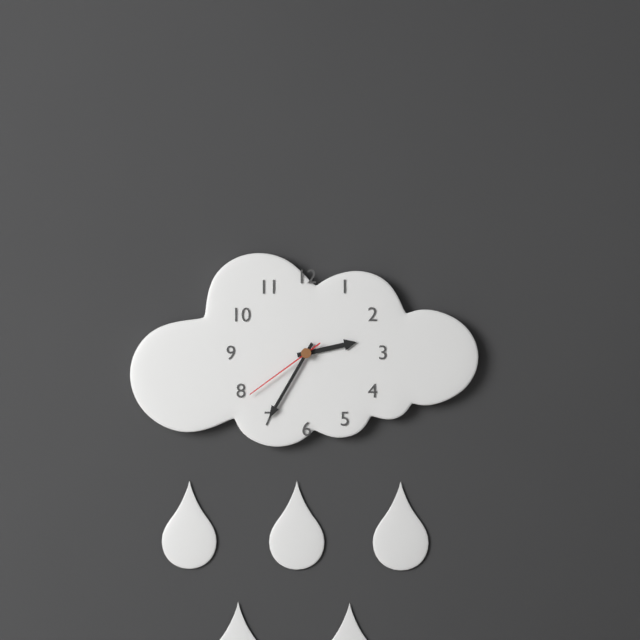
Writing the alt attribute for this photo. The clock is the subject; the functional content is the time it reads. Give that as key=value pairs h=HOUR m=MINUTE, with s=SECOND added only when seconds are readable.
h=2 m=35 s=39
